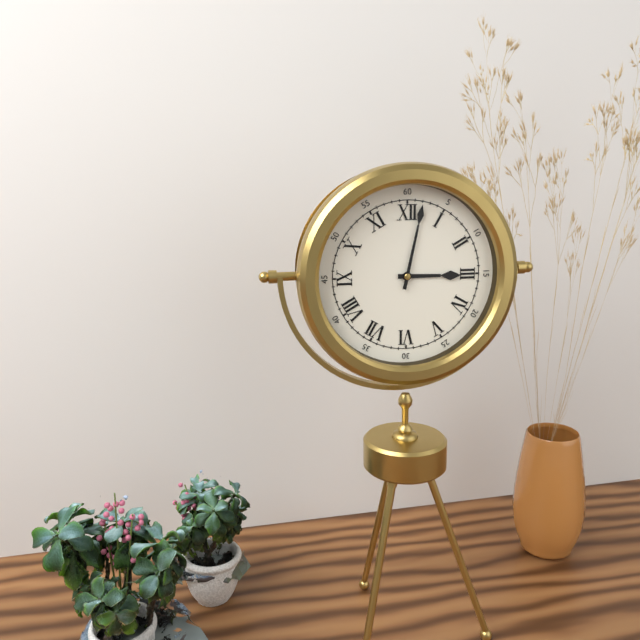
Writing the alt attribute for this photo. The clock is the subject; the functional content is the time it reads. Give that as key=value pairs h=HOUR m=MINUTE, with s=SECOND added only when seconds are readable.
h=3 m=2
